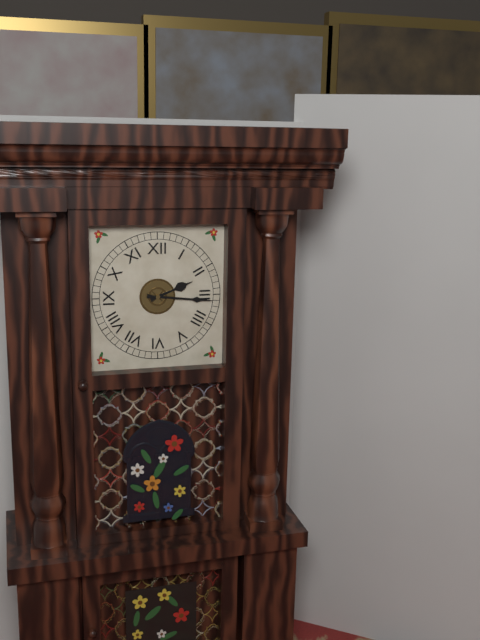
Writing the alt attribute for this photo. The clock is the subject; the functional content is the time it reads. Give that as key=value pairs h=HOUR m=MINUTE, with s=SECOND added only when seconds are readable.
h=2 m=16
